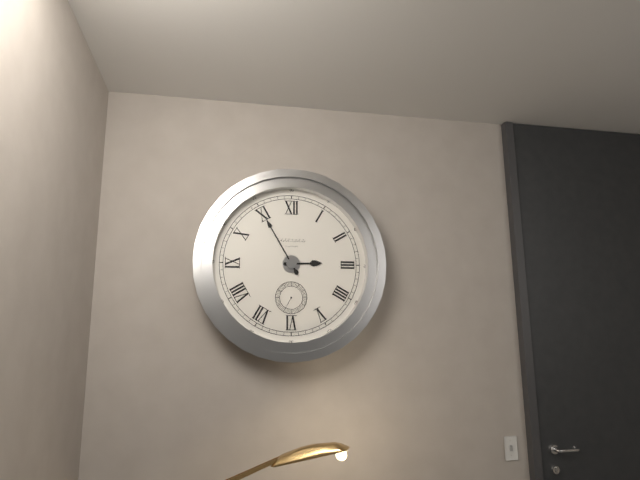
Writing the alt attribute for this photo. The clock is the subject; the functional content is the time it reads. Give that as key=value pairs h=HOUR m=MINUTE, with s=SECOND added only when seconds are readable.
h=2 m=55
